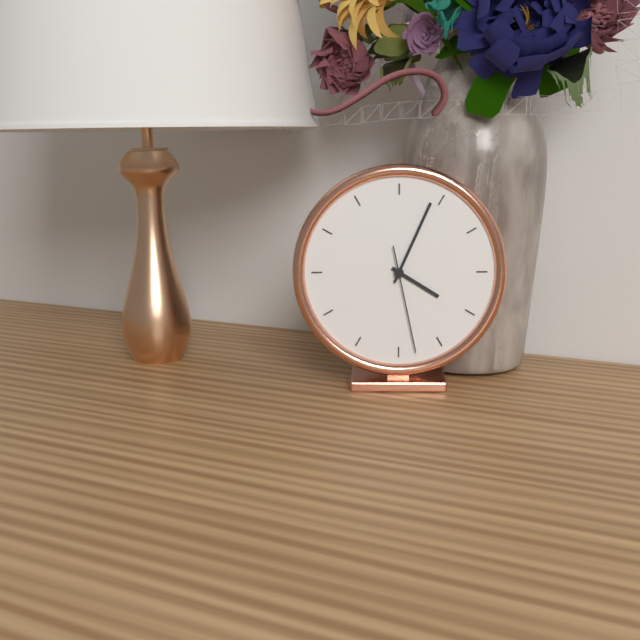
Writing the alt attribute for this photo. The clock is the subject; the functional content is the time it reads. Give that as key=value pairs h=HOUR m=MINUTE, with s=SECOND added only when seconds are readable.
h=4 m=4 s=28
